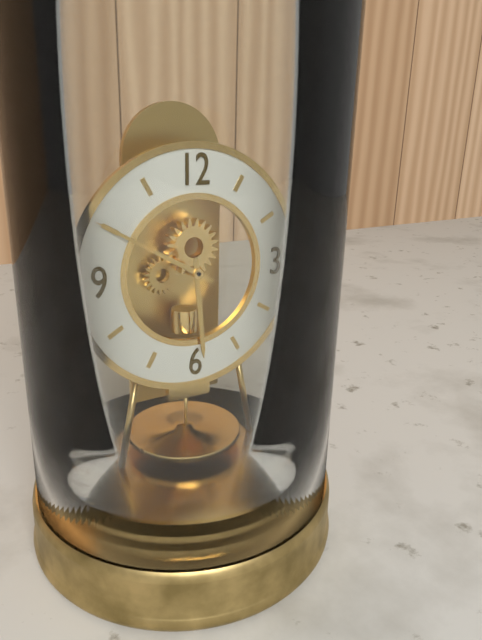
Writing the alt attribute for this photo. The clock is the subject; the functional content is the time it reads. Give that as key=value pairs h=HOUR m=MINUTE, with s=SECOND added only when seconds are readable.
h=5 m=50
